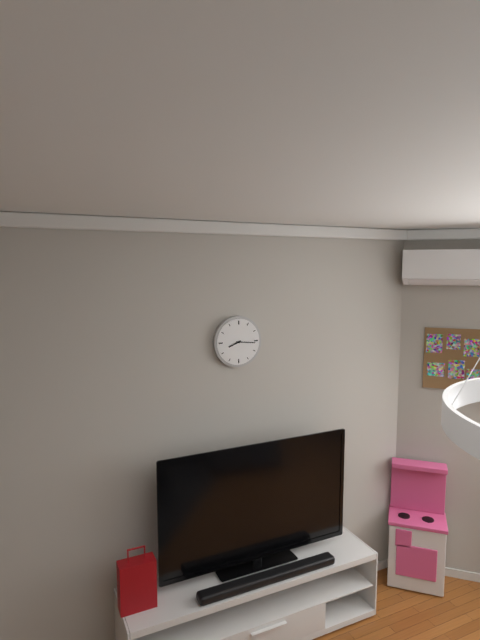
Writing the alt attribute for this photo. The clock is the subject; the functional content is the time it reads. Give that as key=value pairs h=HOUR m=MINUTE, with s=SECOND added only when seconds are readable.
h=8 m=16
